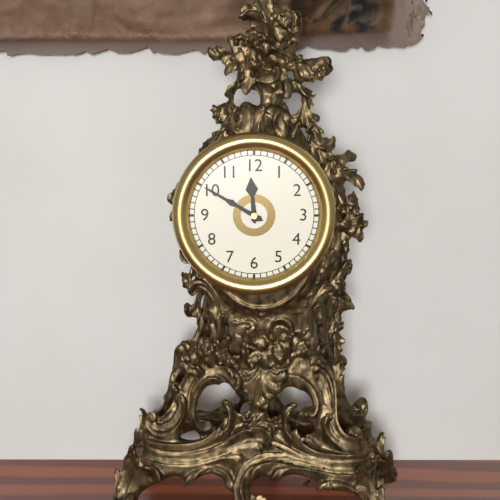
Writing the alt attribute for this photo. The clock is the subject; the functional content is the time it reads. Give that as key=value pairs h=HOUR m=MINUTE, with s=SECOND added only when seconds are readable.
h=11 m=50
